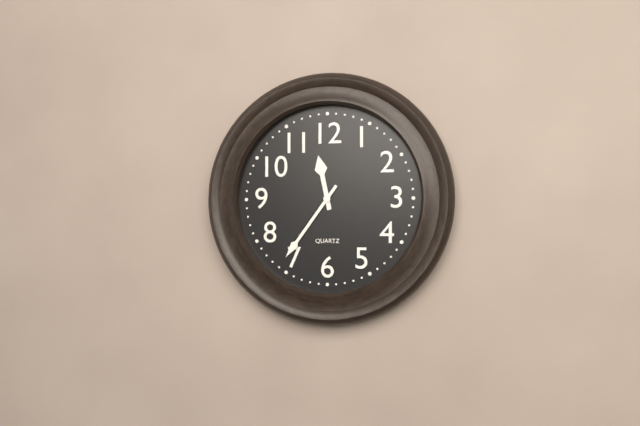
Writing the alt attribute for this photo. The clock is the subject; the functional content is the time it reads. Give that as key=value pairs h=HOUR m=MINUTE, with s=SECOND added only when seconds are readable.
h=11 m=36
